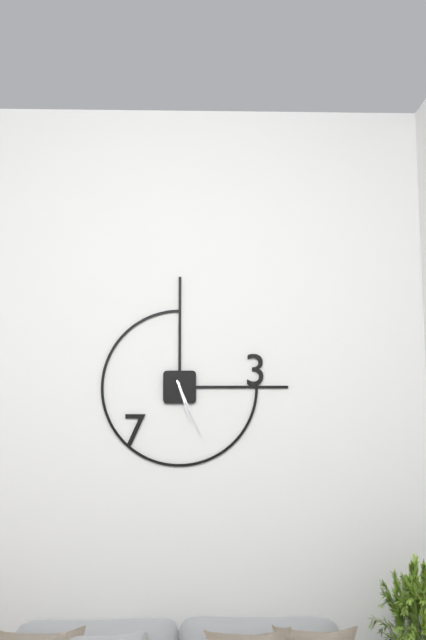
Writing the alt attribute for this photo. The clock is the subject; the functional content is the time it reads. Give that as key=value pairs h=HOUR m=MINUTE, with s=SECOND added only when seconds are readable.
h=5 m=26
